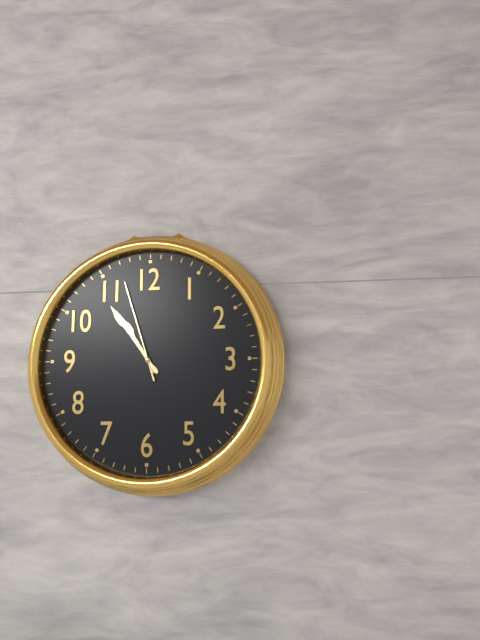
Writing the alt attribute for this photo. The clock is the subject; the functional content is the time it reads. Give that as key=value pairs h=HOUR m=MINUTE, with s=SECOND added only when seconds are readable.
h=10 m=54 s=57
